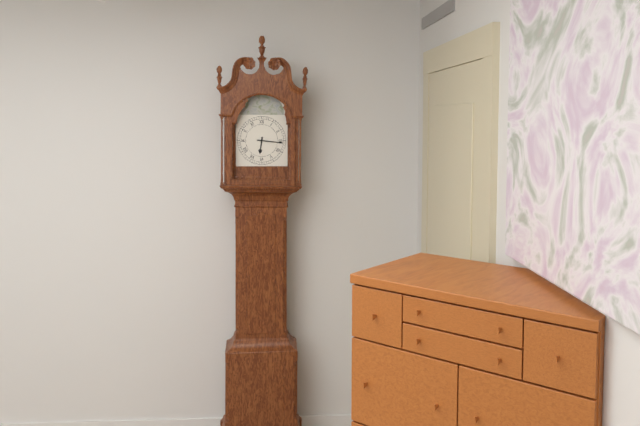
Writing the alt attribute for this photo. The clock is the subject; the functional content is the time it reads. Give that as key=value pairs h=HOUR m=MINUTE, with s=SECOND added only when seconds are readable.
h=6 m=16
